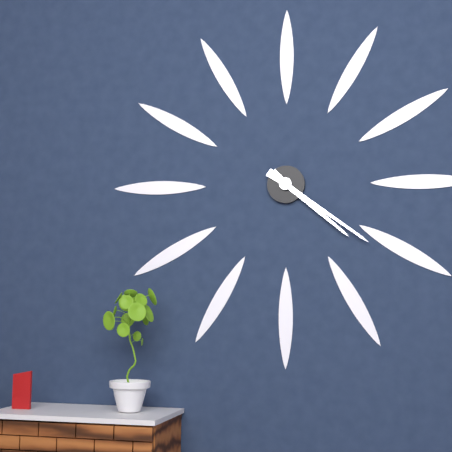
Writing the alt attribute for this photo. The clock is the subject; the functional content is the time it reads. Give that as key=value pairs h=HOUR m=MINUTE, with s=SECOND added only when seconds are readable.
h=4 m=21
